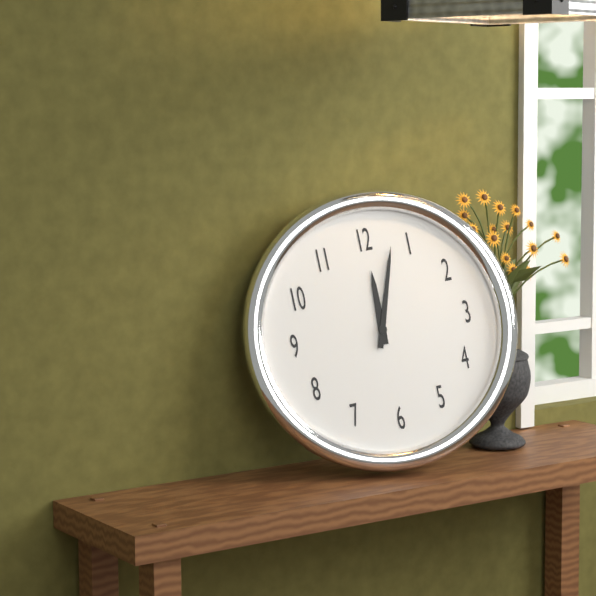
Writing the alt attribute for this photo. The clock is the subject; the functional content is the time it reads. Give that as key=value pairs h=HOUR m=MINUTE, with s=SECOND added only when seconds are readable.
h=12 m=3
